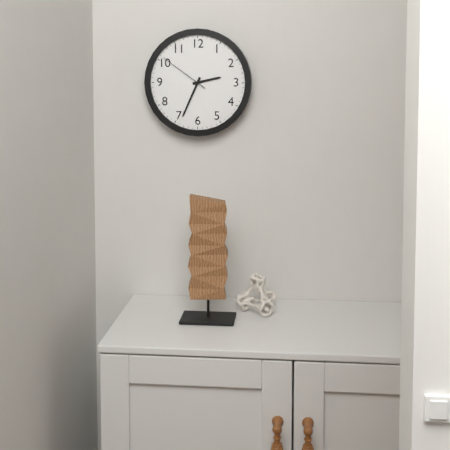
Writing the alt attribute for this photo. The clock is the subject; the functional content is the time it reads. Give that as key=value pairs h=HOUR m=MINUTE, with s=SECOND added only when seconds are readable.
h=2 m=34 s=51
